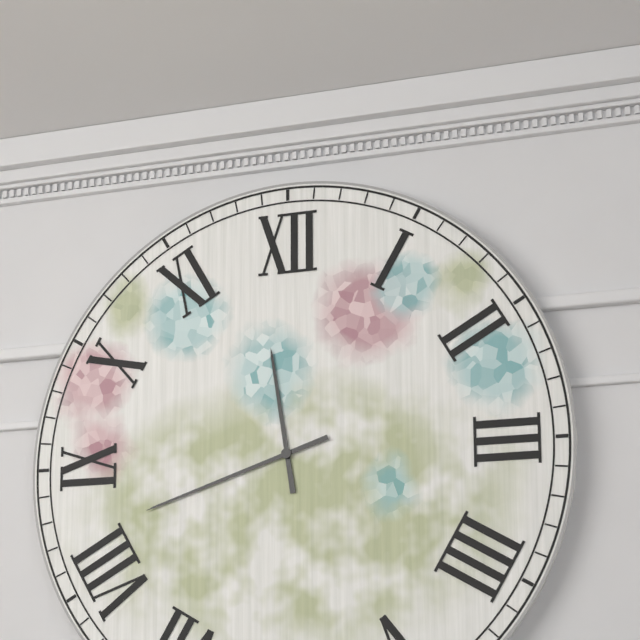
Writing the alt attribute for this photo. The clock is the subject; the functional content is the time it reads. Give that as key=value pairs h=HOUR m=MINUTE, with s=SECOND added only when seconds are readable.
h=11 m=42
